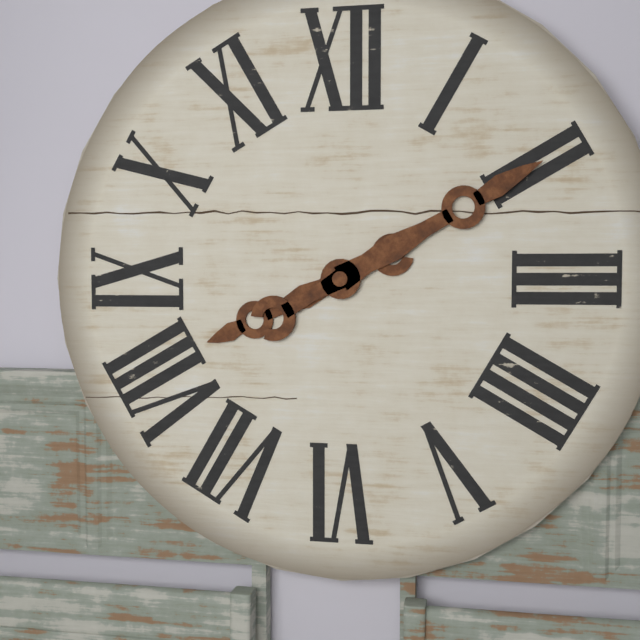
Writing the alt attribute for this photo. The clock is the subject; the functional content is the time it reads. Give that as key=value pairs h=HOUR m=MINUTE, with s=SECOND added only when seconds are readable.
h=8 m=10
